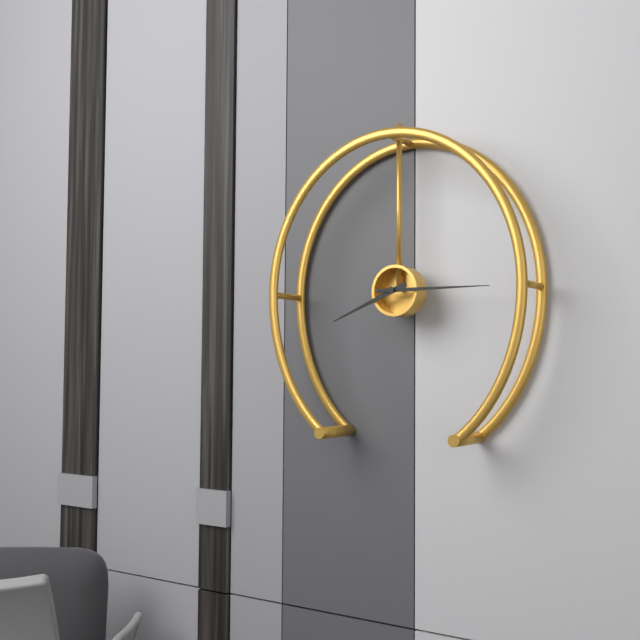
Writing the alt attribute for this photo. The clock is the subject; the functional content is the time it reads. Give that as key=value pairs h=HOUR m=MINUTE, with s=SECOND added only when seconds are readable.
h=8 m=15
